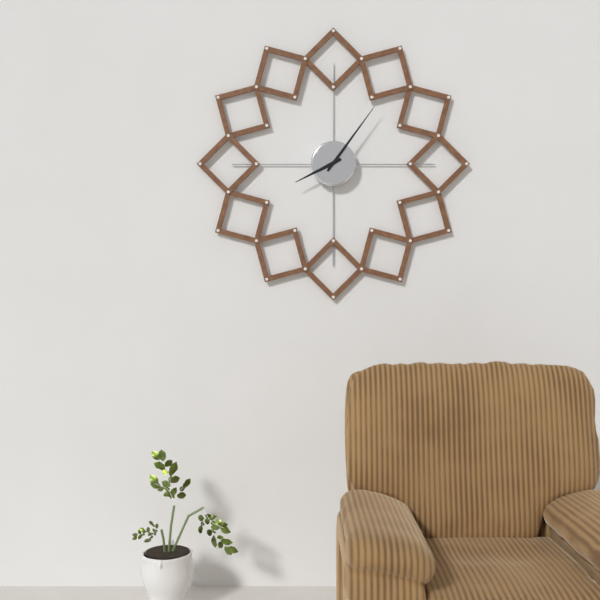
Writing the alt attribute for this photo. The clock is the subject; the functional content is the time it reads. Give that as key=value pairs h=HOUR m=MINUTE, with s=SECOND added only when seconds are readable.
h=8 m=6
